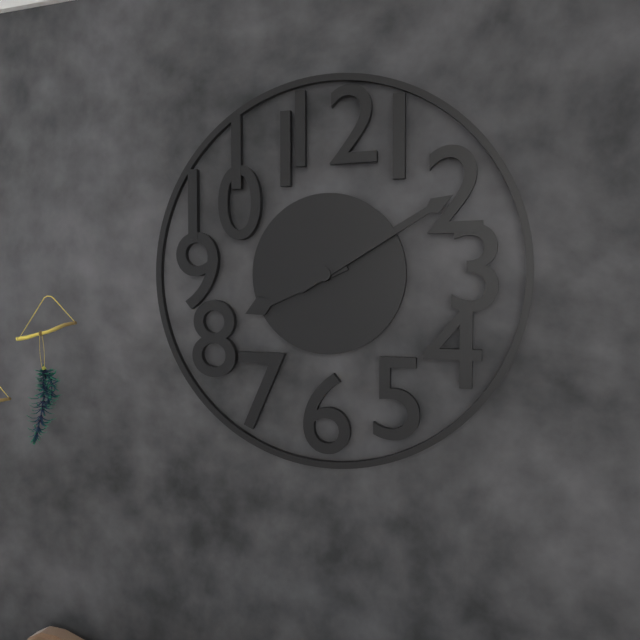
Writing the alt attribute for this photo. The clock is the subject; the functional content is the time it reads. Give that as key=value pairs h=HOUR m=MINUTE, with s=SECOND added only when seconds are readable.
h=8 m=10
